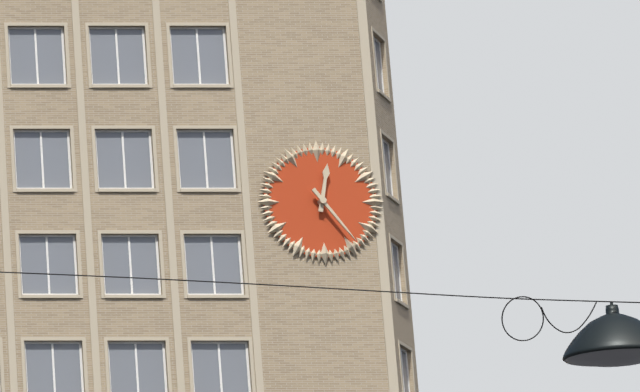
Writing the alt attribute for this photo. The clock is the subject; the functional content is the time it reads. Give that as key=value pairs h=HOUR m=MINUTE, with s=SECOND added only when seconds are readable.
h=12 m=24
